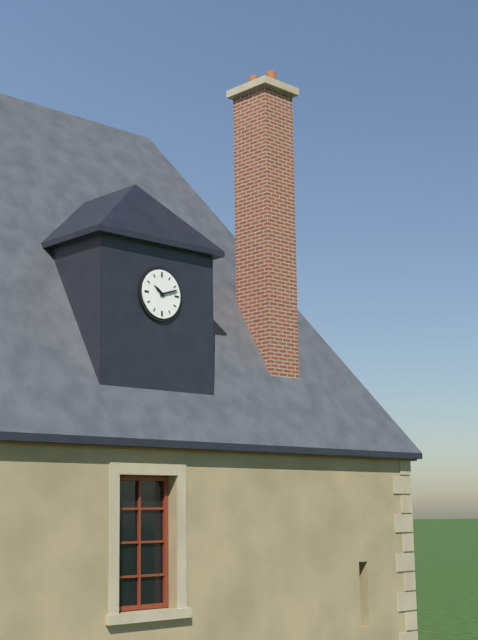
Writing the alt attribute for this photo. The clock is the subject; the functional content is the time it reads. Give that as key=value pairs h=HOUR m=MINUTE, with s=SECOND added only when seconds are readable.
h=10 m=12
